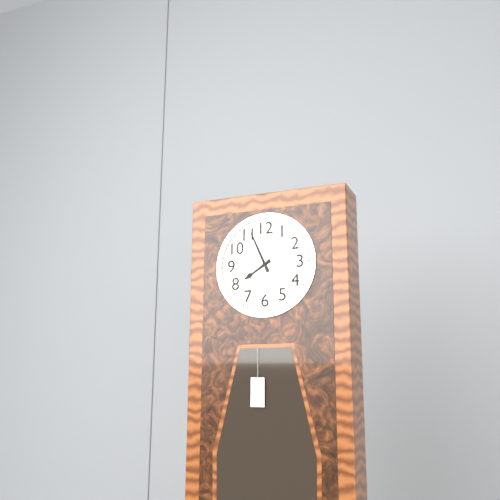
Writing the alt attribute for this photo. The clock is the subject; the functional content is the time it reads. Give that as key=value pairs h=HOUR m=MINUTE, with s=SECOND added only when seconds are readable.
h=7 m=56
